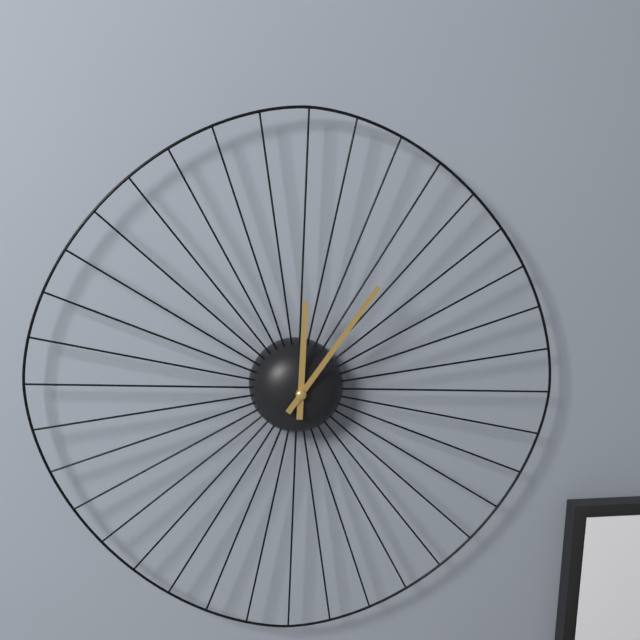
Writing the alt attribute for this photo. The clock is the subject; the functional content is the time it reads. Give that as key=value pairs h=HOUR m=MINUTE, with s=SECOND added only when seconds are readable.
h=12 m=6
